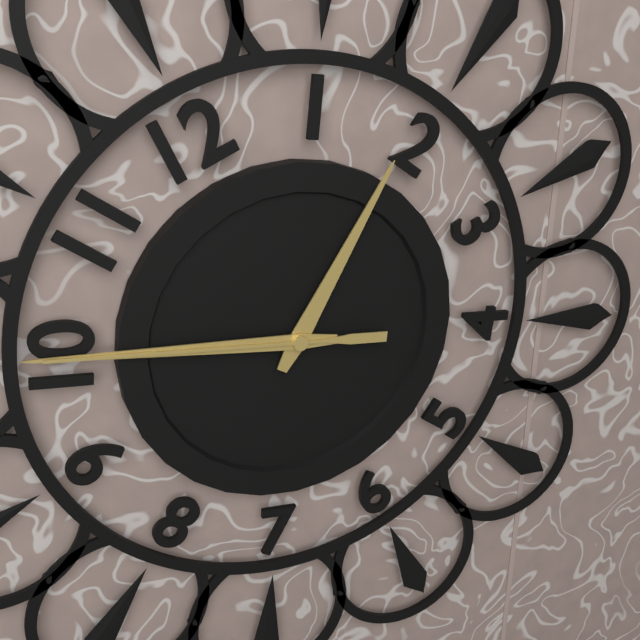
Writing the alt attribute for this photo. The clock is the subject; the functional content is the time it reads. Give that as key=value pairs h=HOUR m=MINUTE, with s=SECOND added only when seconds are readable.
h=1 m=50 s=50
